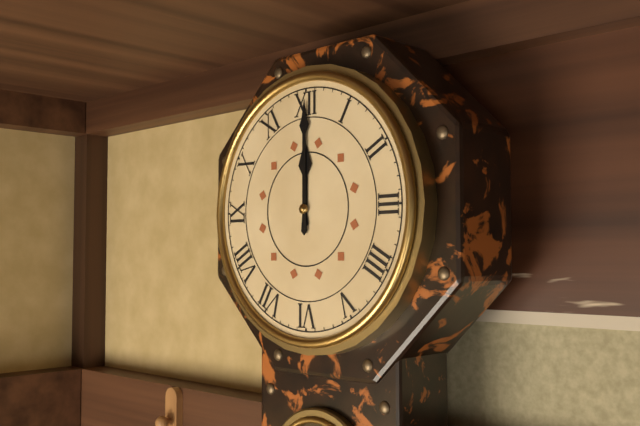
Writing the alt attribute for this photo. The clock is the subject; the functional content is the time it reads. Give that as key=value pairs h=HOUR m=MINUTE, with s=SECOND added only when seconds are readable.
h=12 m=0
